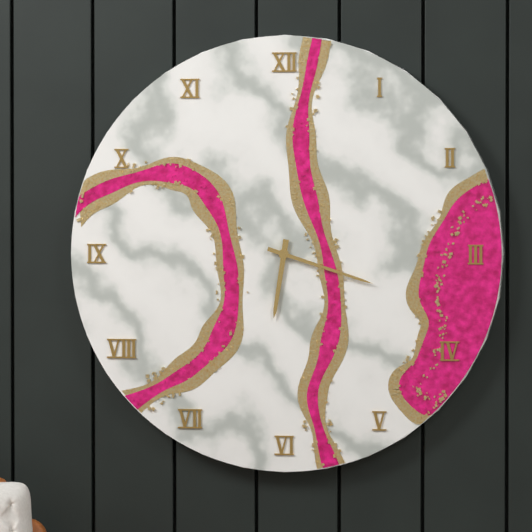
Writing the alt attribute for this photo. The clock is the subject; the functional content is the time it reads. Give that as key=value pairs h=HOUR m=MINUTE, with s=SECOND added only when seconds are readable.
h=6 m=18
